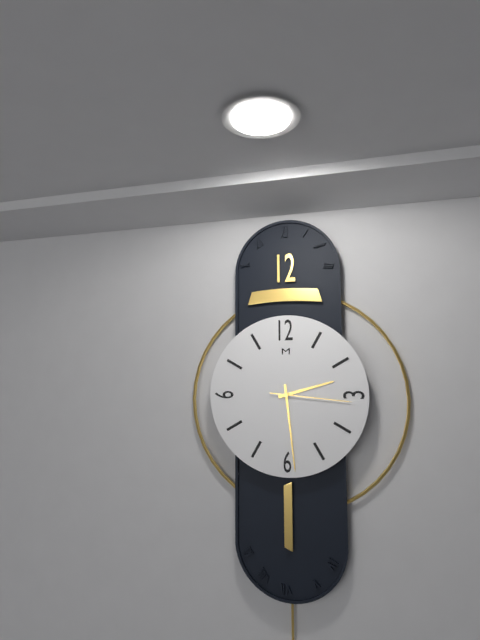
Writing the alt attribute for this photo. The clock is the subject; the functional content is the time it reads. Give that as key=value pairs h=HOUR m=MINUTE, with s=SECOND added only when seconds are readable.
h=2 m=29 s=16
